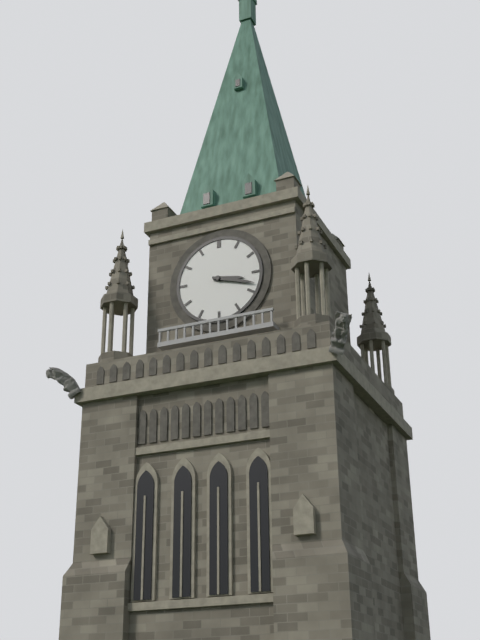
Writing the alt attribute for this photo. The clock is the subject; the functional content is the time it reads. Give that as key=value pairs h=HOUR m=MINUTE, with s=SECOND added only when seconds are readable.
h=3 m=18
